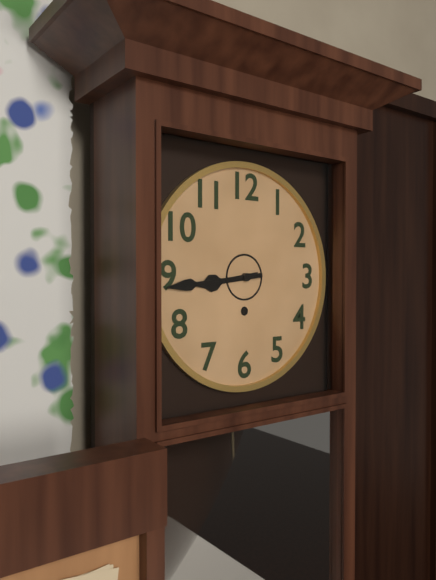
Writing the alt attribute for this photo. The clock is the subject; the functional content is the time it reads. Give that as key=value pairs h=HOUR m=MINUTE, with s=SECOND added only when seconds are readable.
h=8 m=44
